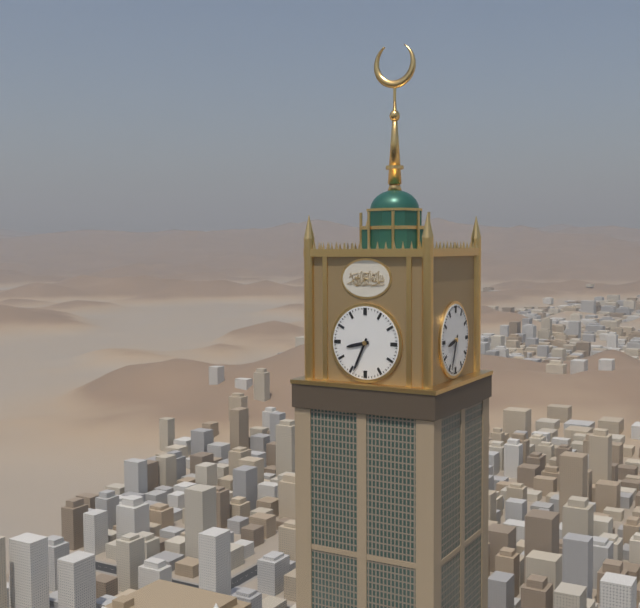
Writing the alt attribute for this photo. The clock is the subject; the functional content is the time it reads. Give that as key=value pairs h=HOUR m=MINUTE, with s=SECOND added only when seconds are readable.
h=8 m=34
